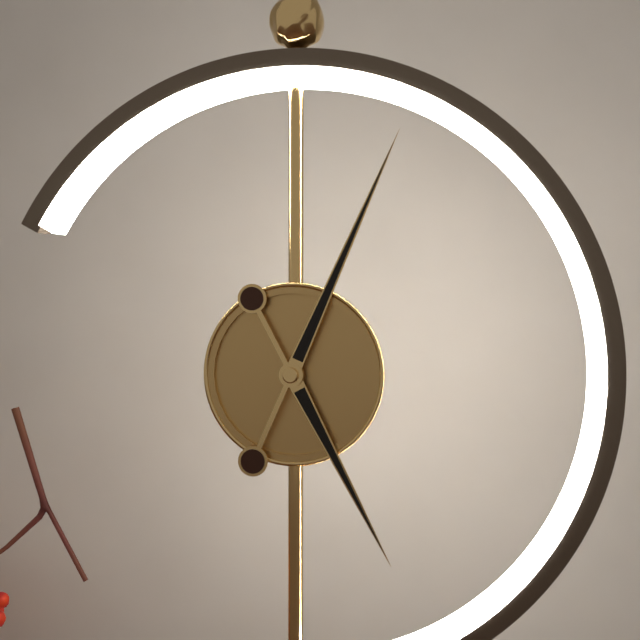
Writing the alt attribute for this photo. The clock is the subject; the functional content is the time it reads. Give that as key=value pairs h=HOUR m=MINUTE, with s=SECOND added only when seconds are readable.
h=5 m=4
